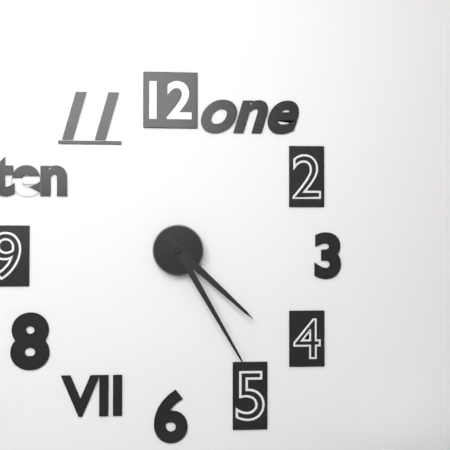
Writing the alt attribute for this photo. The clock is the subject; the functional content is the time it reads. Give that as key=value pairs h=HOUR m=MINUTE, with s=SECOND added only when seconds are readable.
h=4 m=25
